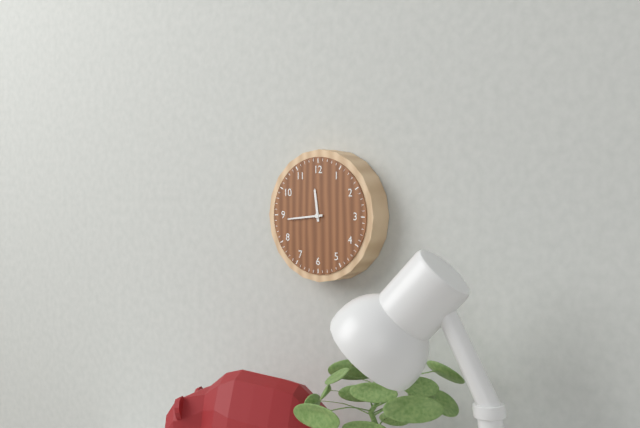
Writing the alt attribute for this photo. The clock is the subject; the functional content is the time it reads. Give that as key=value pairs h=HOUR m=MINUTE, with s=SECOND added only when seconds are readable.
h=11 m=44
